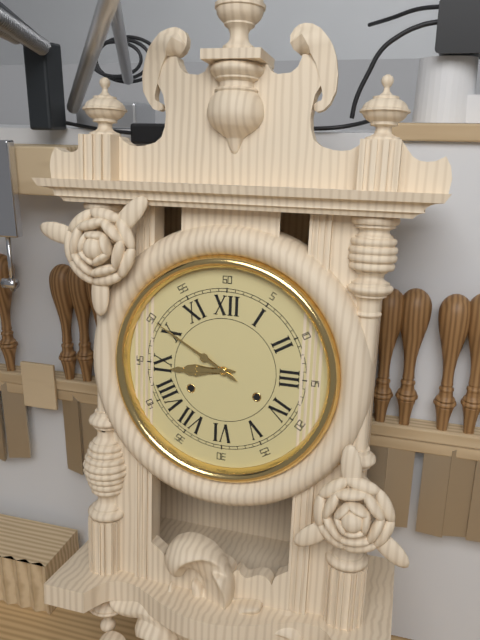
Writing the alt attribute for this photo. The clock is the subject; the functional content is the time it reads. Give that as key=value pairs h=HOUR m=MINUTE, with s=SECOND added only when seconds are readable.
h=8 m=50
